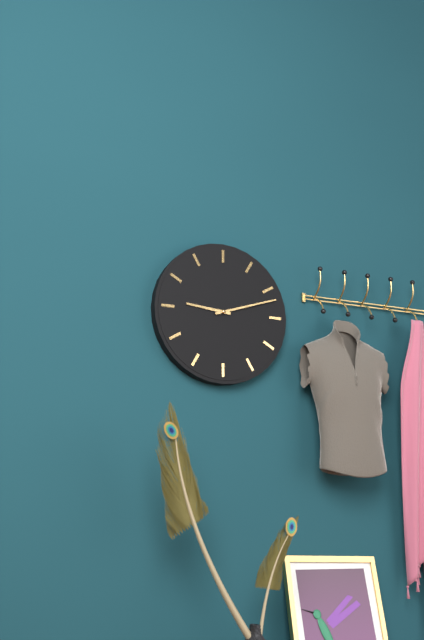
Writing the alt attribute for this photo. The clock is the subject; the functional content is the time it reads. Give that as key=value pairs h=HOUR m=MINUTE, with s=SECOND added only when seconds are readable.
h=9 m=12
